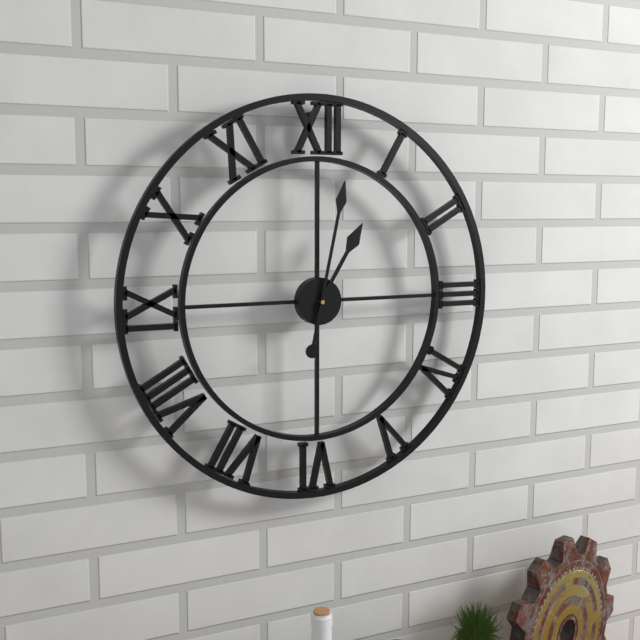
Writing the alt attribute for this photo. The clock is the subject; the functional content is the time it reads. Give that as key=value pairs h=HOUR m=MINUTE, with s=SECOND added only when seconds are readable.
h=1 m=2
